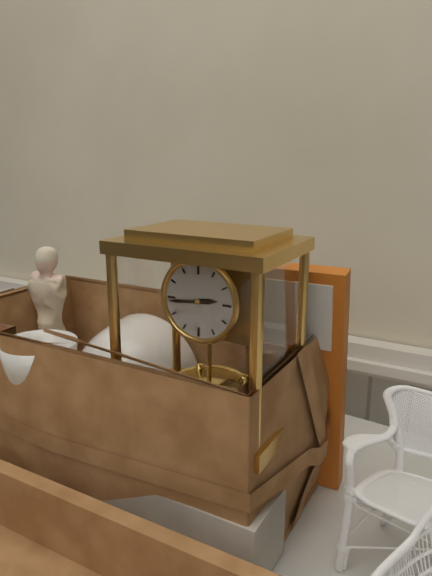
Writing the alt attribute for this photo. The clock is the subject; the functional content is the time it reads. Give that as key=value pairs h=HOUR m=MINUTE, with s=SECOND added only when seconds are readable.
h=2 m=44
